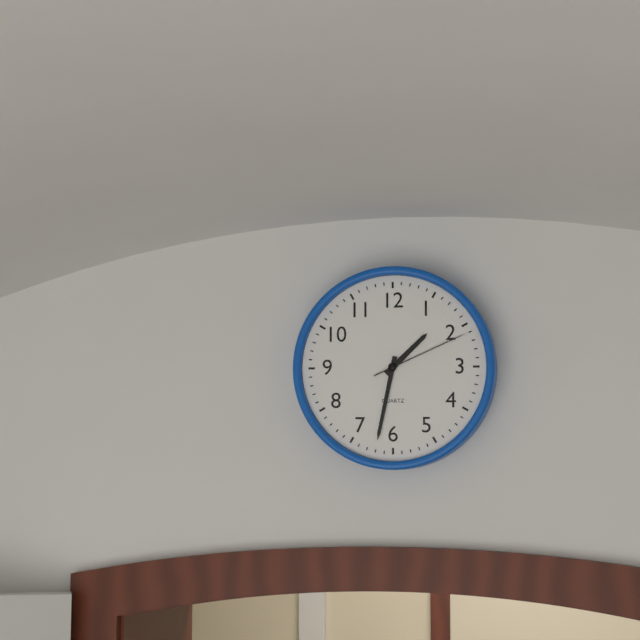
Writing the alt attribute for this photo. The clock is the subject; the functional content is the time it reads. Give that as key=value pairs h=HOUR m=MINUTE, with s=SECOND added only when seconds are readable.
h=1 m=32 s=11
